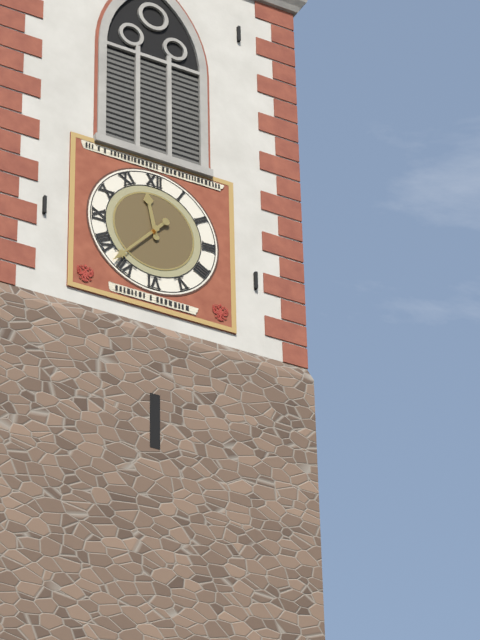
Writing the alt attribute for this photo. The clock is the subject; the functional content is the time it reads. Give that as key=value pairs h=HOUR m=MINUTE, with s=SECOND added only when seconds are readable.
h=11 m=37
